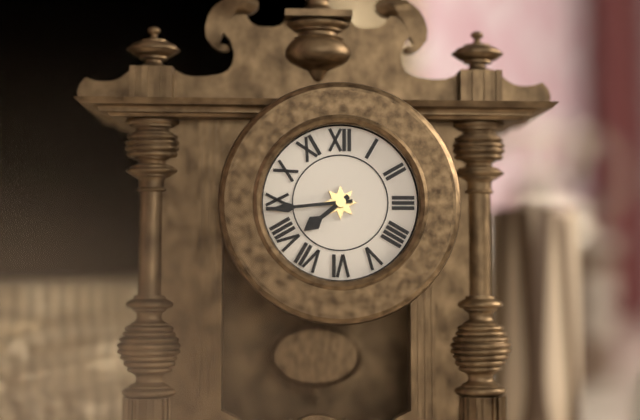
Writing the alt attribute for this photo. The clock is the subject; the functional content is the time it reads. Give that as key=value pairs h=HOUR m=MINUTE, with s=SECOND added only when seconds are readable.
h=7 m=44
